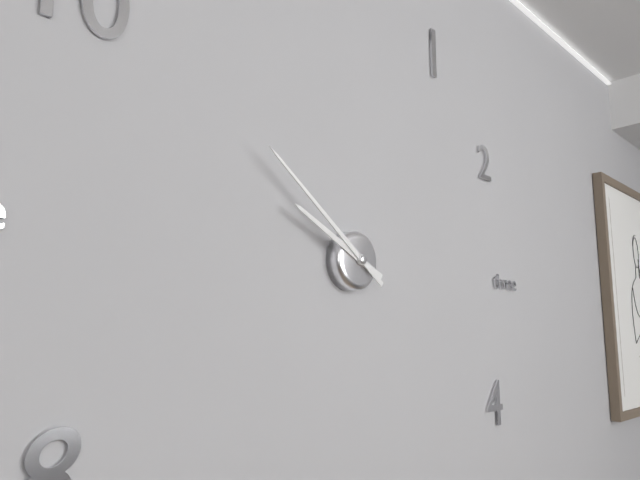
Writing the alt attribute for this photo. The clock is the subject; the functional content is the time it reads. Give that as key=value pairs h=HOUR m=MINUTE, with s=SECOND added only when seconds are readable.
h=9 m=51
